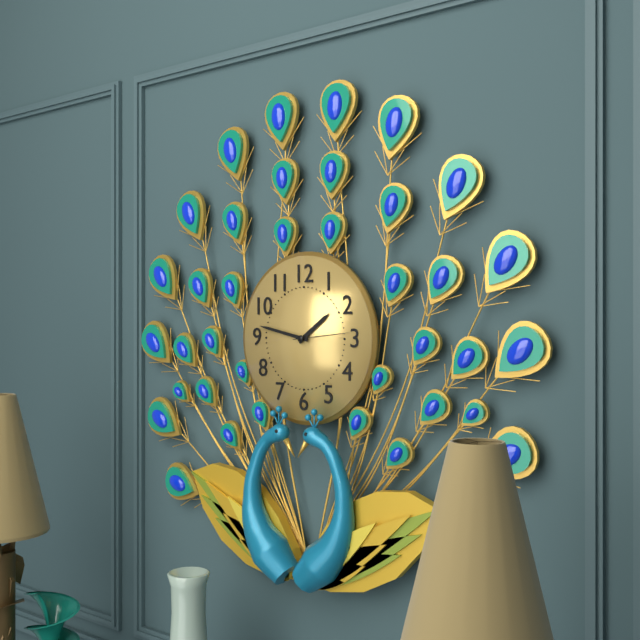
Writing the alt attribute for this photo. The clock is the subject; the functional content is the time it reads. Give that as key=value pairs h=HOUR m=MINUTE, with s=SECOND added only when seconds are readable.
h=1 m=47
